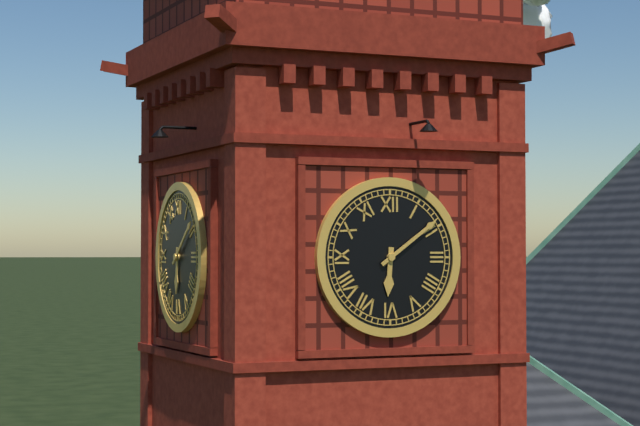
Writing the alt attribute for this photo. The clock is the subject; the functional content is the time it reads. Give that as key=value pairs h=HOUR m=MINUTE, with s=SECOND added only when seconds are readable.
h=6 m=9
